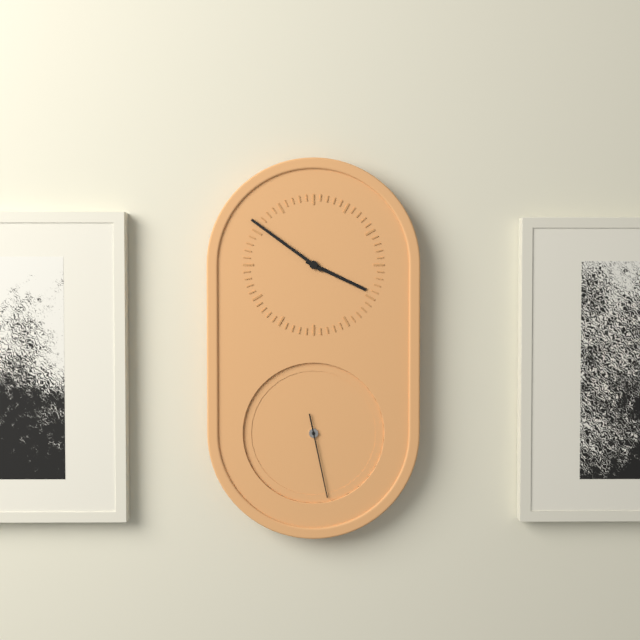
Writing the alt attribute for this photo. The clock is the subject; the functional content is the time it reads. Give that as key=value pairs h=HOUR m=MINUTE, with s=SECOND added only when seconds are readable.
h=3 m=51 s=28
